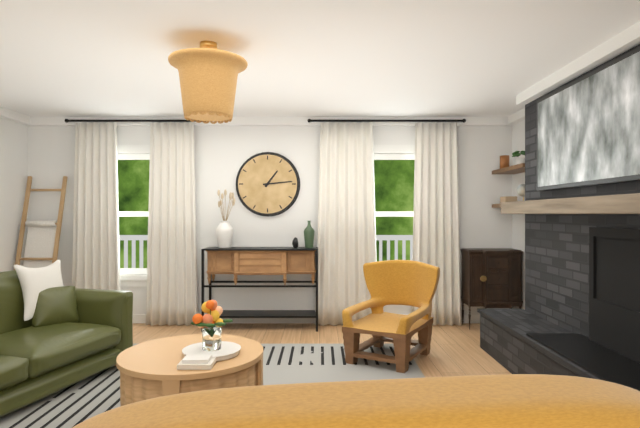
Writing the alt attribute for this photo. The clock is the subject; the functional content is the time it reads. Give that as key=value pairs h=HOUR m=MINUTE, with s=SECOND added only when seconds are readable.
h=1 m=14
